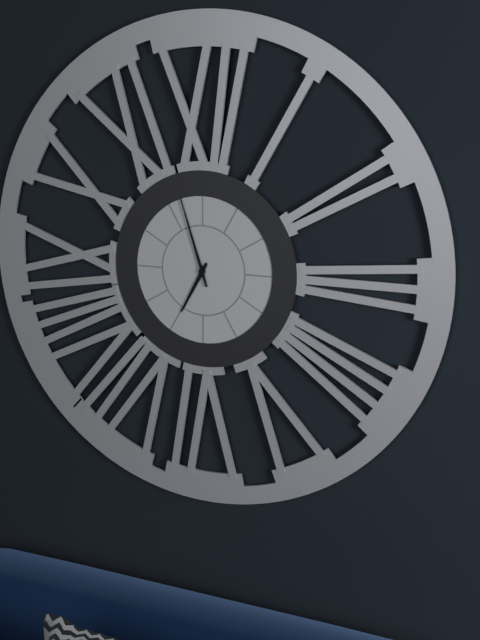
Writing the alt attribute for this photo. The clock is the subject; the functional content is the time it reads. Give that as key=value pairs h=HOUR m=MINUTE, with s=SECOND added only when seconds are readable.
h=6 m=57
